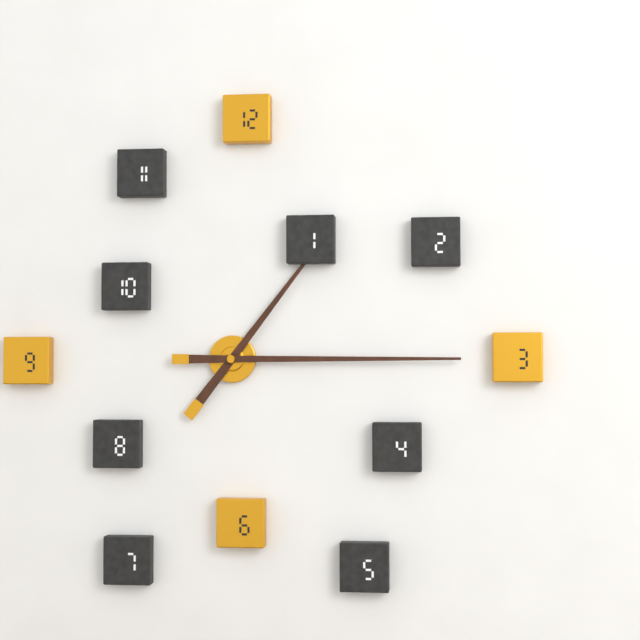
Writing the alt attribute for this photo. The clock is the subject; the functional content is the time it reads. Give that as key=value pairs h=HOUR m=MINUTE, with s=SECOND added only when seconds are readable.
h=1 m=15
